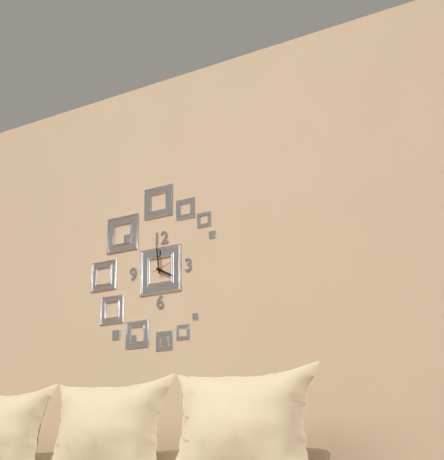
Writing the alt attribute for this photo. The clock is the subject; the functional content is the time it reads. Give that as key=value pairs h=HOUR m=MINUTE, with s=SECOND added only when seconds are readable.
h=3 m=59
